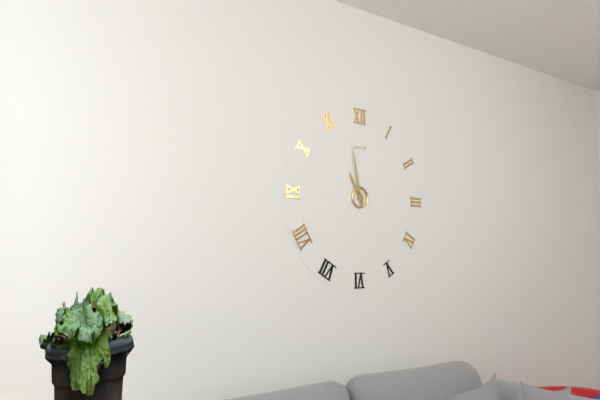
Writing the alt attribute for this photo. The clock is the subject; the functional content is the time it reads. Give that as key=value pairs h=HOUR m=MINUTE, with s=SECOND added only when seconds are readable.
h=10 m=58
